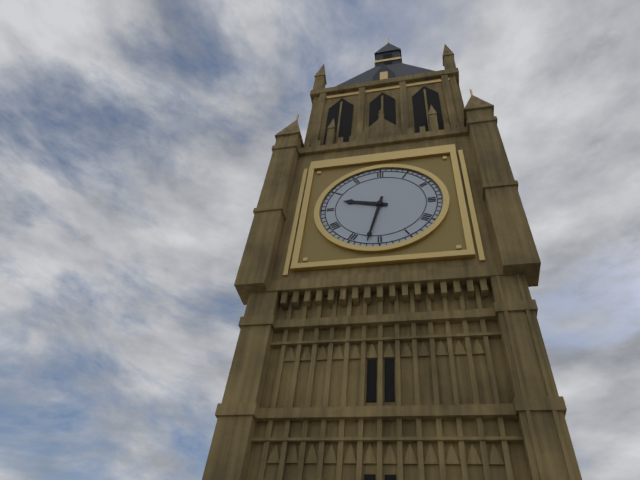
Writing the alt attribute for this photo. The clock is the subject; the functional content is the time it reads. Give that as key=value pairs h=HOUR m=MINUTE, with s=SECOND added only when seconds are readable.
h=9 m=32
